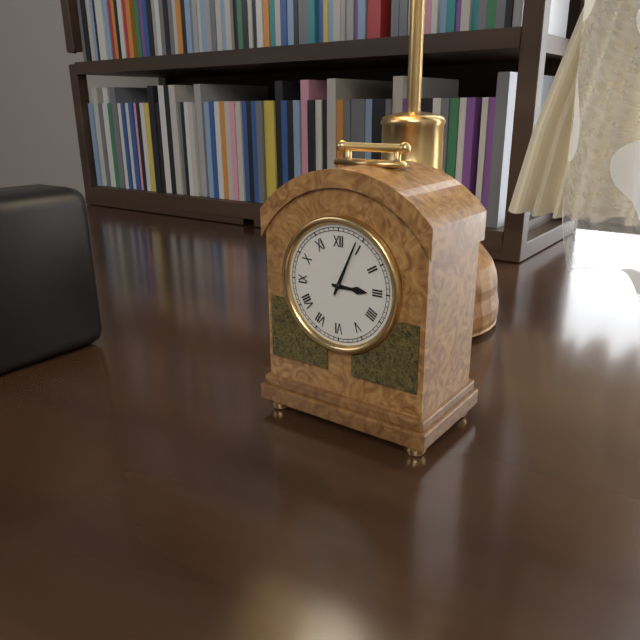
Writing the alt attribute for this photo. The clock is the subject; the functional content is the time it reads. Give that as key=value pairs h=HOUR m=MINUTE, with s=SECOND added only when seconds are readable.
h=3 m=4
